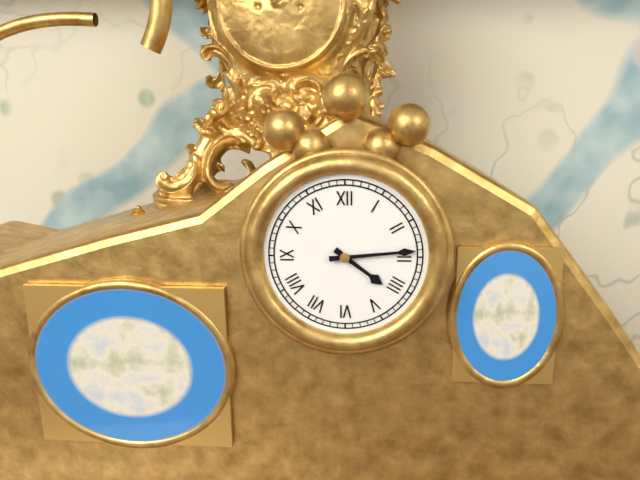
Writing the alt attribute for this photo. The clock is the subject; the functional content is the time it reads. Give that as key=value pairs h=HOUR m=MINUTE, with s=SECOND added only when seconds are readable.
h=4 m=14
